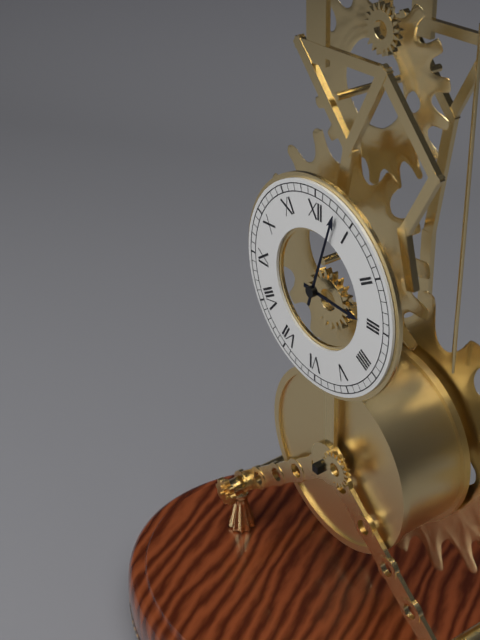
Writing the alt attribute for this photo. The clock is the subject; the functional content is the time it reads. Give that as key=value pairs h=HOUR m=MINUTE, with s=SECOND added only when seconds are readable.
h=3 m=3
